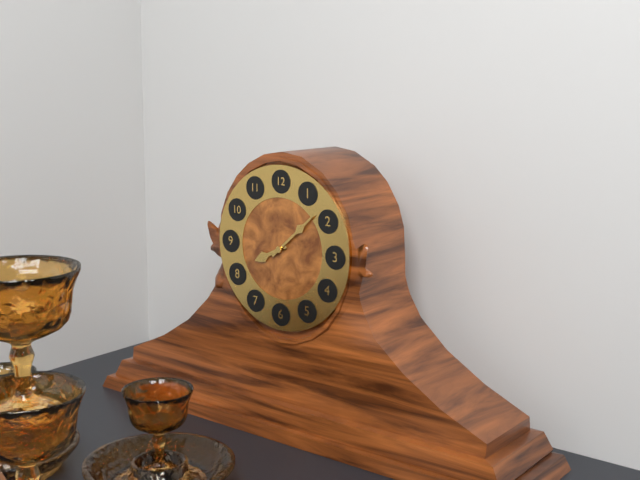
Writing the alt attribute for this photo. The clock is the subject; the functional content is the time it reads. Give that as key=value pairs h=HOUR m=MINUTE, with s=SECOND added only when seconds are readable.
h=8 m=8
